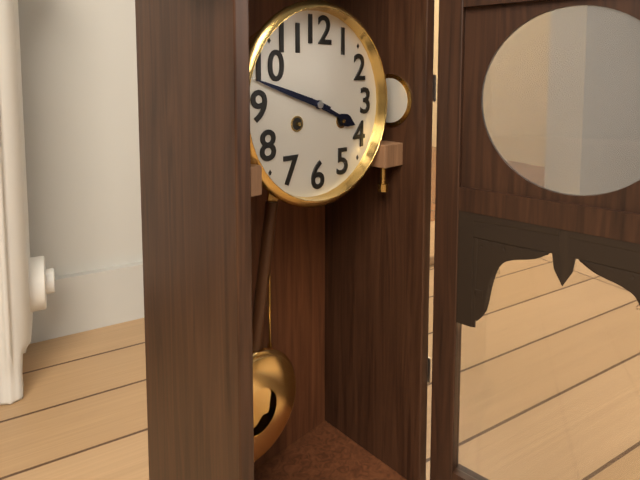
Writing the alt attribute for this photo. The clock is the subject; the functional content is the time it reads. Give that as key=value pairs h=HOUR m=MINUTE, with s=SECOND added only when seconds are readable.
h=3 m=48
